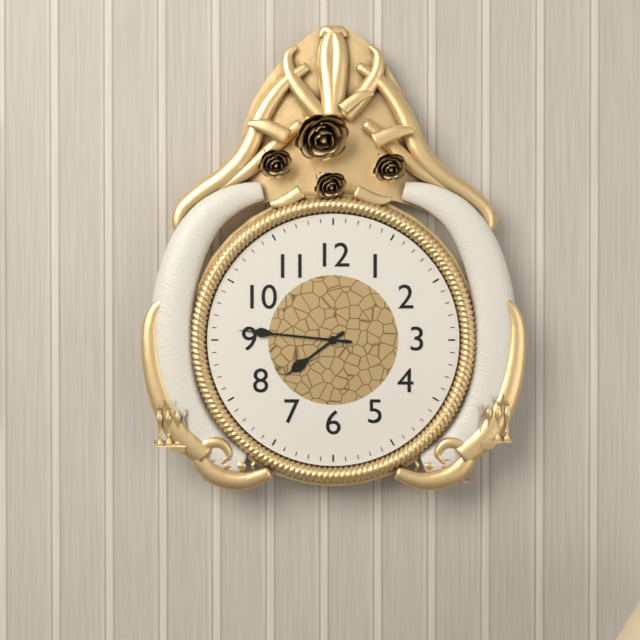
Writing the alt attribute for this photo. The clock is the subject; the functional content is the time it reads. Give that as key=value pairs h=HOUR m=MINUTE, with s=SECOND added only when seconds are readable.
h=7 m=46
